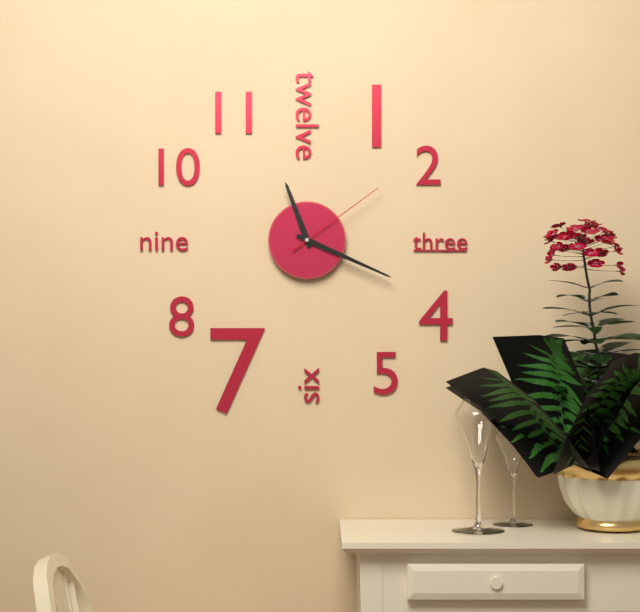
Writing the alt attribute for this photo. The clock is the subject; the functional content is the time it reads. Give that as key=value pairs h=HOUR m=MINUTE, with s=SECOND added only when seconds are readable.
h=11 m=19 s=9
